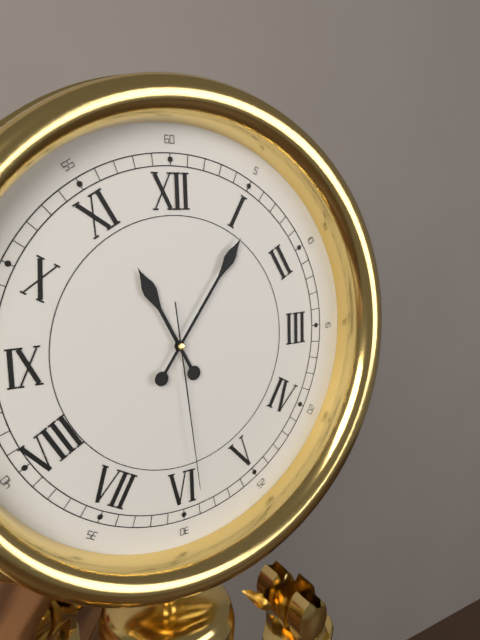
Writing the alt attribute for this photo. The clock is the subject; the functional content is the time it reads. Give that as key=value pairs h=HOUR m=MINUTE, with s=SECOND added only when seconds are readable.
h=11 m=6 s=29
